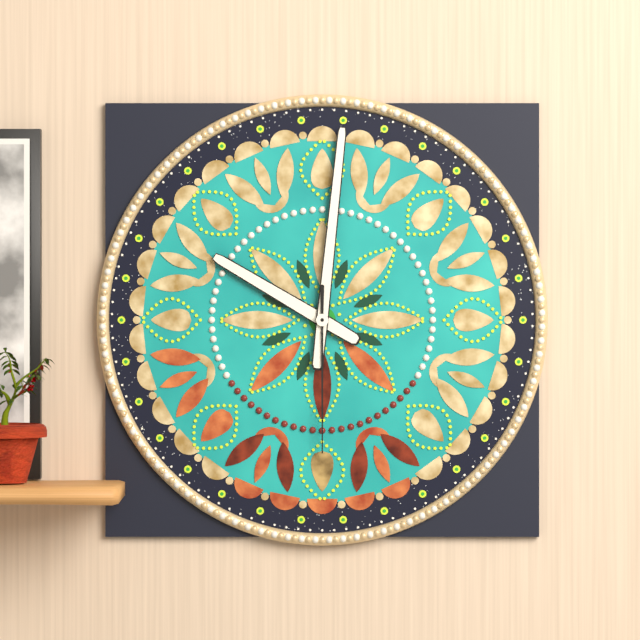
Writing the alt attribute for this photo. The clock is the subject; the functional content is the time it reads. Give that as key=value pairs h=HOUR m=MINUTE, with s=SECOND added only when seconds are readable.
h=10 m=1 s=30
